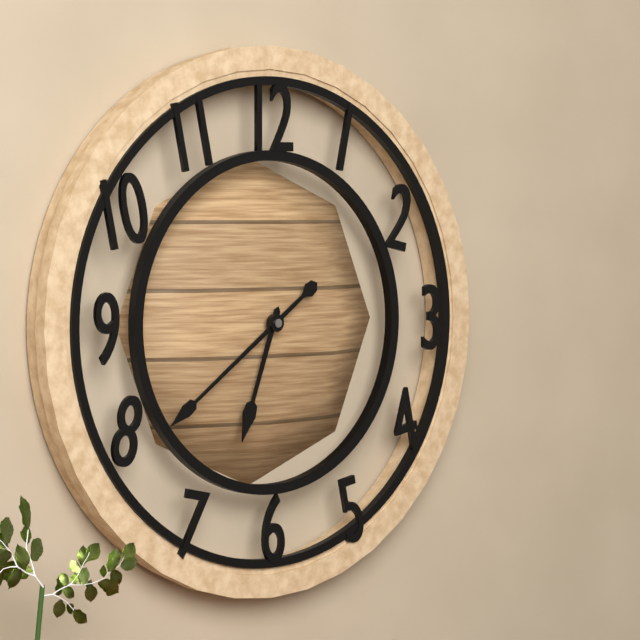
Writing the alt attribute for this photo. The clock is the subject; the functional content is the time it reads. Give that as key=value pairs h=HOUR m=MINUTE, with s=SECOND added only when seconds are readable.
h=6 m=39
